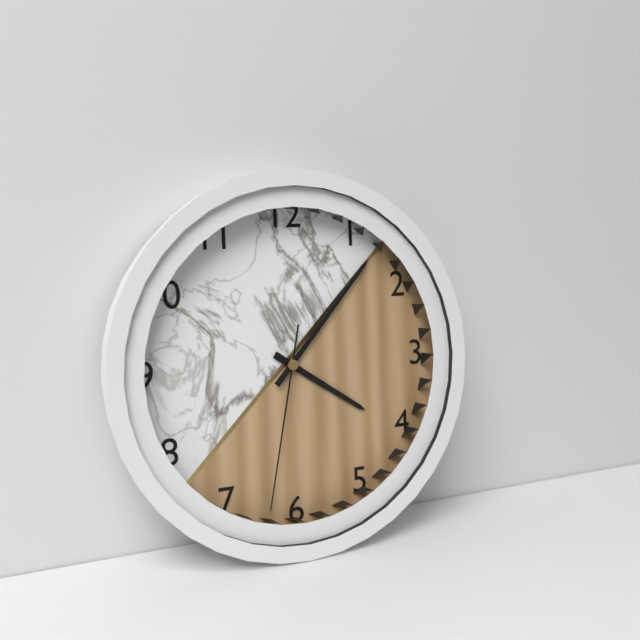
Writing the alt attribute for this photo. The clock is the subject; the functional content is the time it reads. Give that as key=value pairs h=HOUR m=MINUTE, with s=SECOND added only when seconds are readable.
h=4 m=7 s=32
